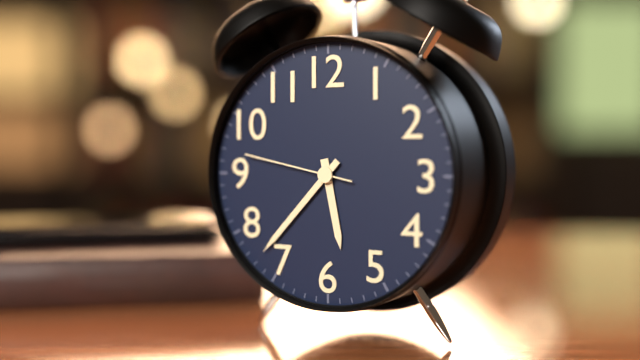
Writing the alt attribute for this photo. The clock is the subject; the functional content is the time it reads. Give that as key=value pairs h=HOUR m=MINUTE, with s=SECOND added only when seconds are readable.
h=5 m=37 s=47
